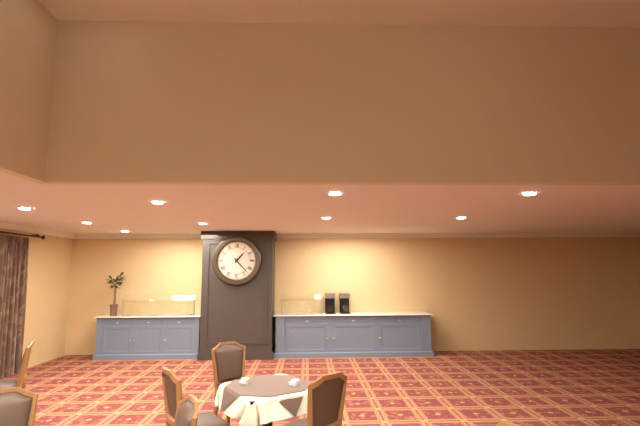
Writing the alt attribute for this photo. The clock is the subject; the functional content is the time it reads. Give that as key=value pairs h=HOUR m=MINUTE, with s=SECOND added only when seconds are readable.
h=1 m=23
